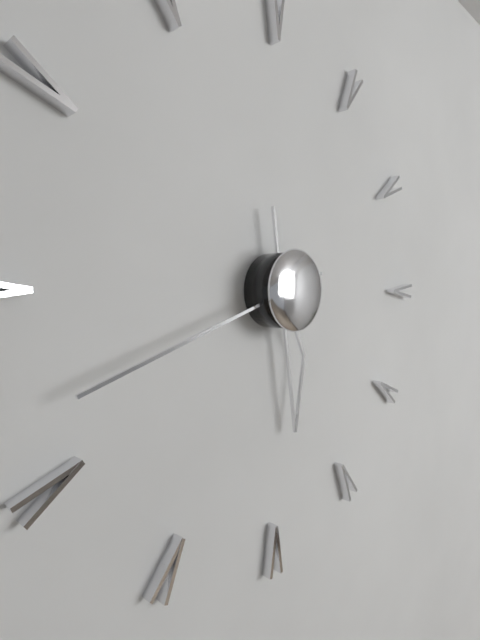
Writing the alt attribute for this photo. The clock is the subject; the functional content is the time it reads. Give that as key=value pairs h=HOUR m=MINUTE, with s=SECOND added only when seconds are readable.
h=5 m=42
